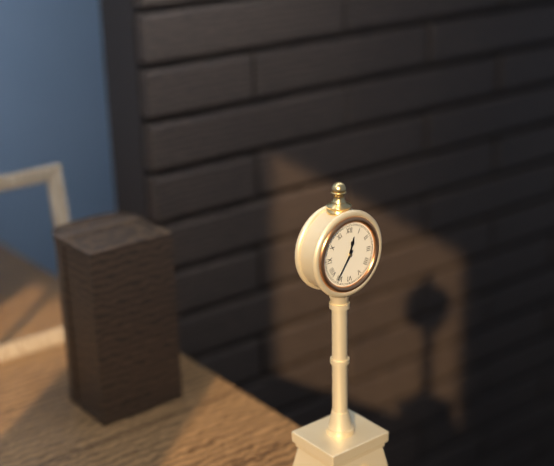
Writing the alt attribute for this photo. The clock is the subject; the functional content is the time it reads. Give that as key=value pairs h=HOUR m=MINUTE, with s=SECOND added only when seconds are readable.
h=12 m=36
